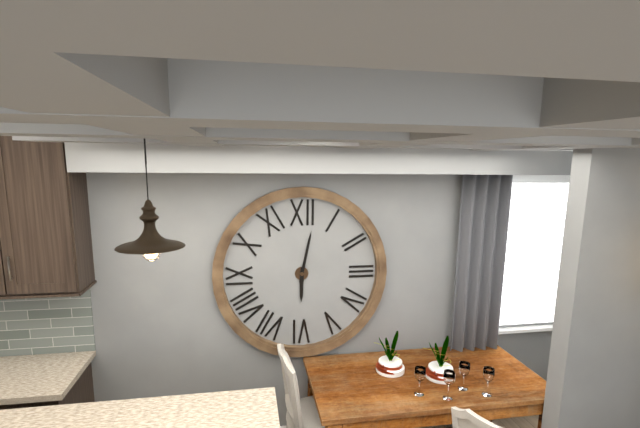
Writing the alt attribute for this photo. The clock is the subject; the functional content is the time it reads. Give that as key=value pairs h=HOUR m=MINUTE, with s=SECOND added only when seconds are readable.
h=6 m=2
